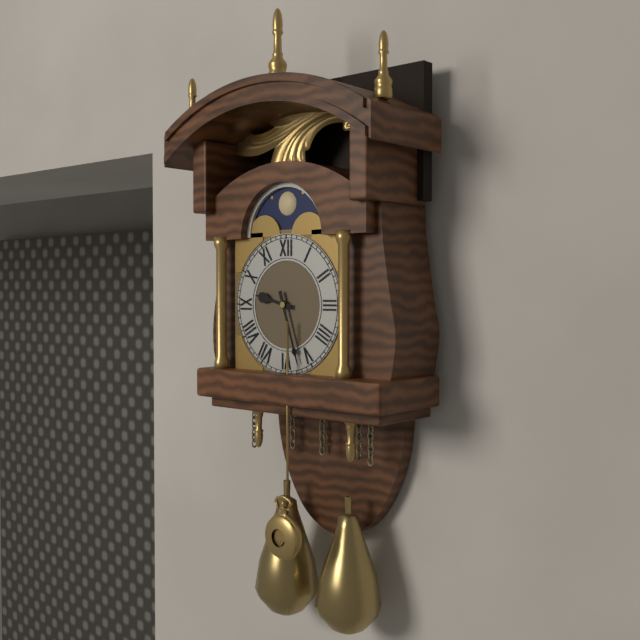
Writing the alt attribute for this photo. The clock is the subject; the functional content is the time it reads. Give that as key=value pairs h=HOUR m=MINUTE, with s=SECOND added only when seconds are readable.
h=9 m=27
